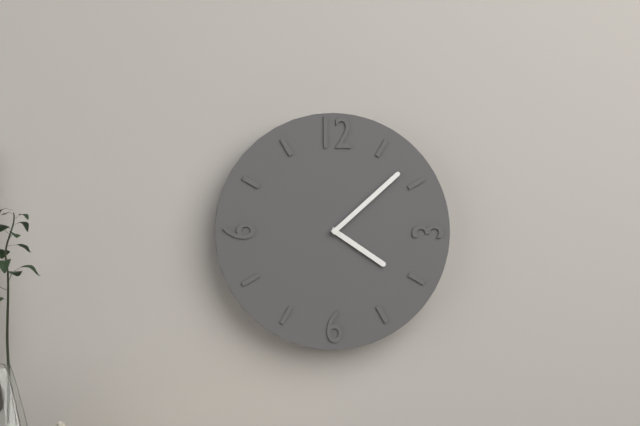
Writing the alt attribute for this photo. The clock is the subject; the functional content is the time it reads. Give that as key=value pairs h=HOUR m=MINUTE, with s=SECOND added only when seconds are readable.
h=4 m=8
